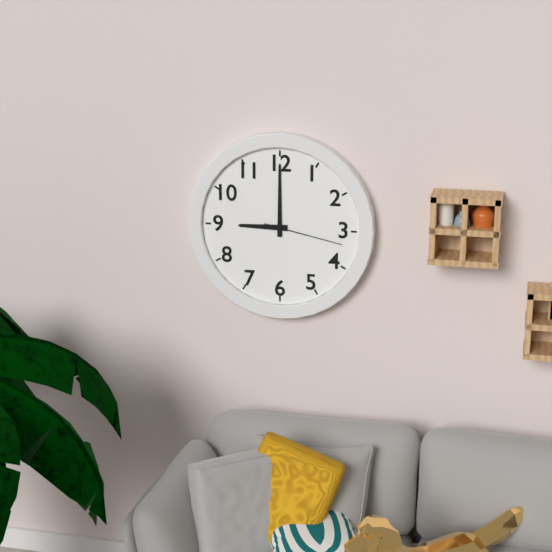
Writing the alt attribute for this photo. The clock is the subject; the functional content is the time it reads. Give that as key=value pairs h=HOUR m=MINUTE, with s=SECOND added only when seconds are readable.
h=9 m=0 s=17
